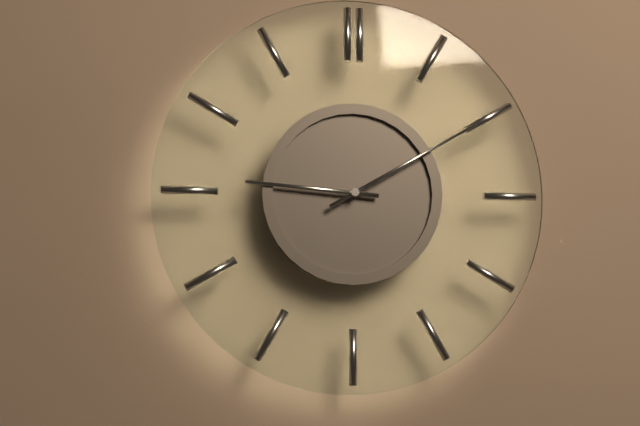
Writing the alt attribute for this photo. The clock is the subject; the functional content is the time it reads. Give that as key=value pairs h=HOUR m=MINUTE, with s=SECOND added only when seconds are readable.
h=9 m=10
